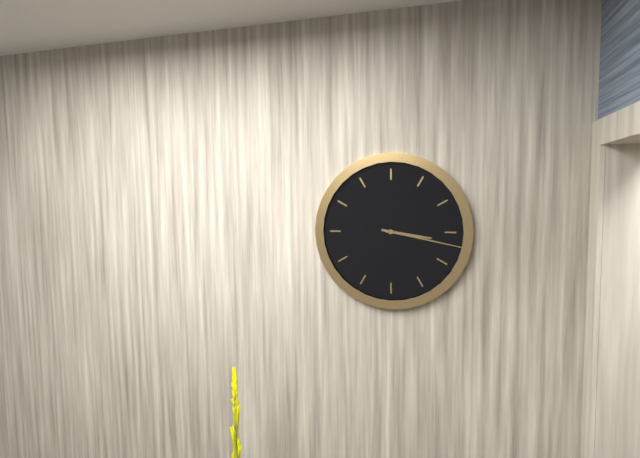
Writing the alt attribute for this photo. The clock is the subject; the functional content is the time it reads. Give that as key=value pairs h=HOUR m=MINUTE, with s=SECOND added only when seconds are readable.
h=3 m=17
